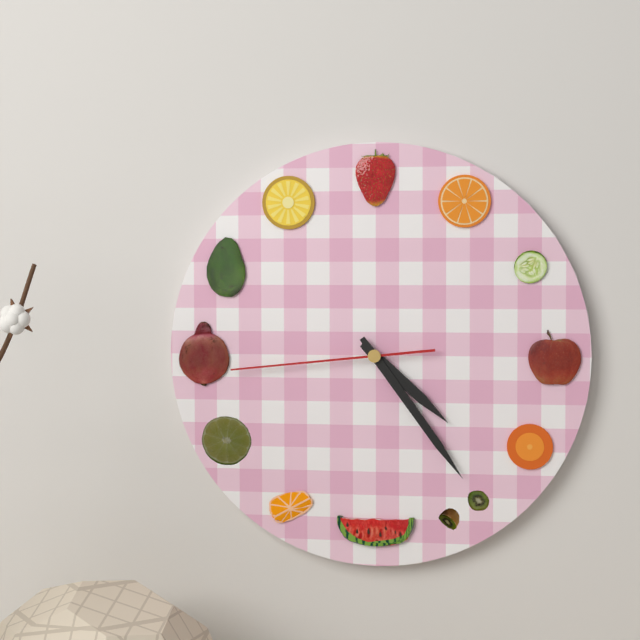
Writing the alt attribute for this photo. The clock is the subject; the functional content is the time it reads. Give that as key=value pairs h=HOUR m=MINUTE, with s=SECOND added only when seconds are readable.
h=4 m=24 s=44
